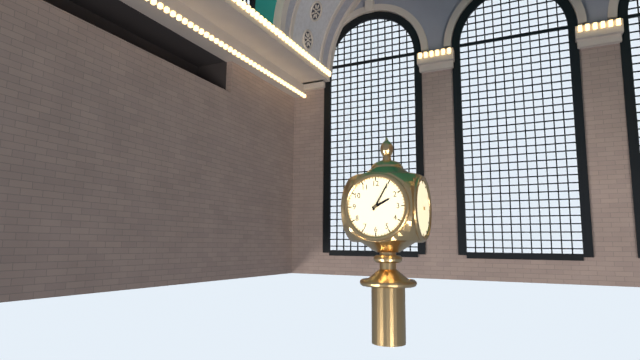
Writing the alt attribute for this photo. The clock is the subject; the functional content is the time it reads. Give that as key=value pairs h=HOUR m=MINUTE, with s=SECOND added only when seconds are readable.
h=2 m=5
